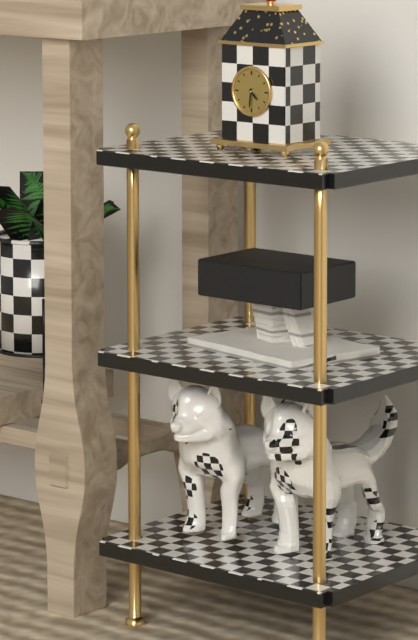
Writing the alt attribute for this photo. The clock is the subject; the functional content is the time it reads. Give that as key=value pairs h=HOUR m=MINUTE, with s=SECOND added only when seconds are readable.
h=4 m=31
